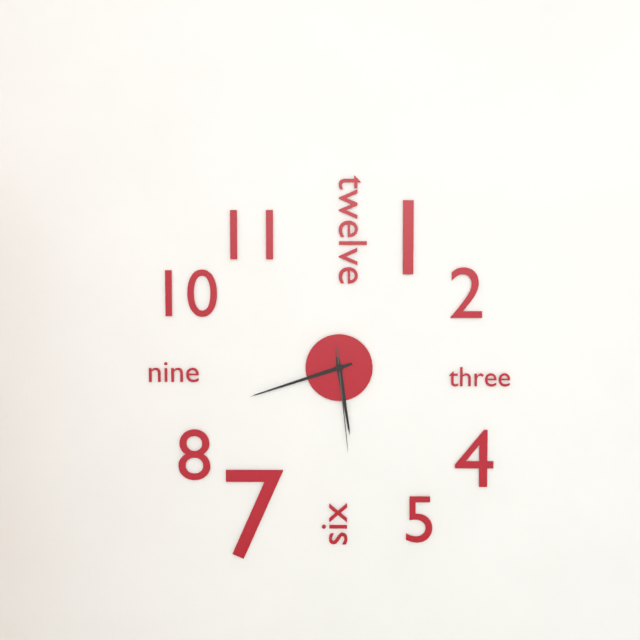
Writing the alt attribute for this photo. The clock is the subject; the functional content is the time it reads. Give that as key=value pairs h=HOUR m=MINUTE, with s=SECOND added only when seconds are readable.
h=5 m=42 s=29
